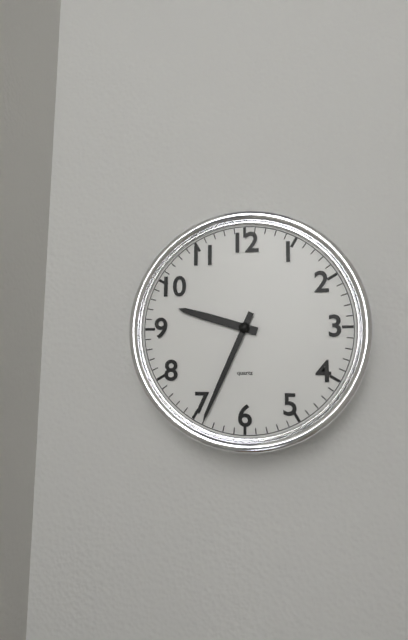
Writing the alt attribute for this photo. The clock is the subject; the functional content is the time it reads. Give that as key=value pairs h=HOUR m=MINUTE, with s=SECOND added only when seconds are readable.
h=9 m=34
